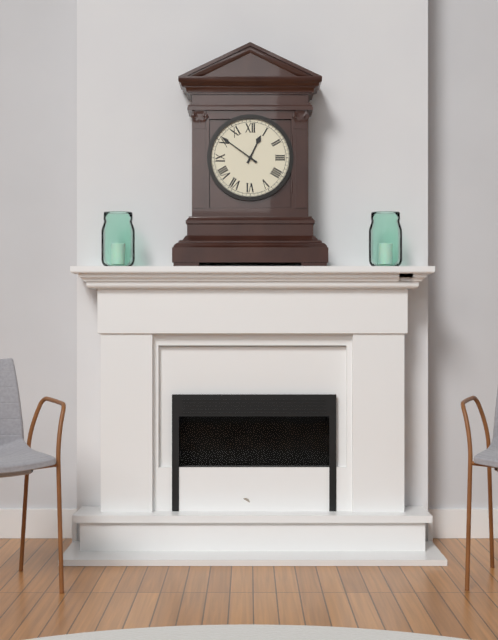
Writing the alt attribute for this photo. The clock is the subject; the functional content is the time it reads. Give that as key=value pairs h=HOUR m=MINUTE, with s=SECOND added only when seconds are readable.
h=12 m=51
